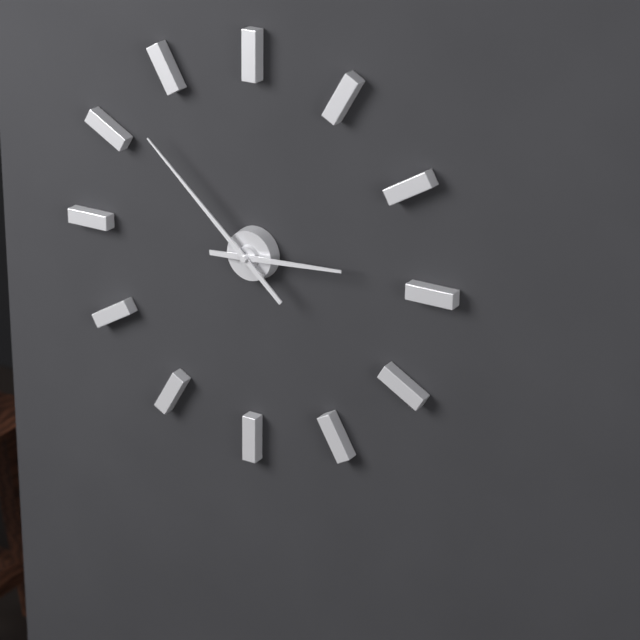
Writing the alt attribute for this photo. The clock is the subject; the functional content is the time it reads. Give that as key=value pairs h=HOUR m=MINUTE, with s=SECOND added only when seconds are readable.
h=2 m=52
